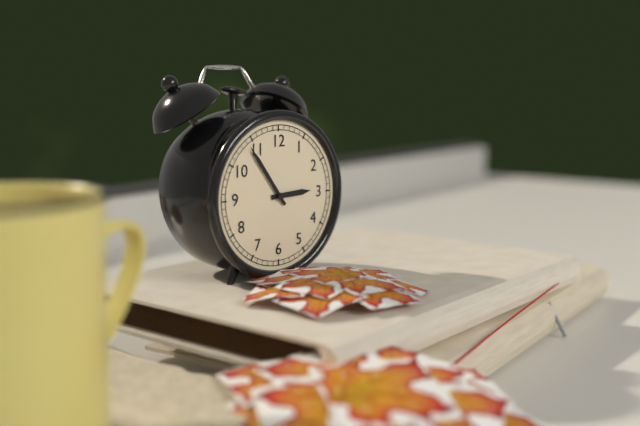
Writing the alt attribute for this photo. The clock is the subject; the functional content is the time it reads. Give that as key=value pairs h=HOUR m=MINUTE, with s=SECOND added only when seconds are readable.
h=2 m=54
